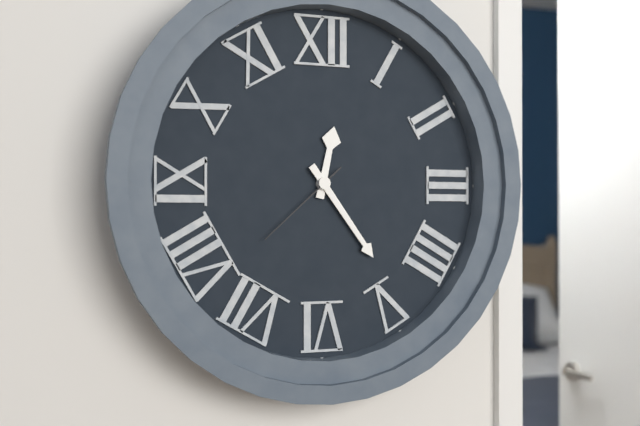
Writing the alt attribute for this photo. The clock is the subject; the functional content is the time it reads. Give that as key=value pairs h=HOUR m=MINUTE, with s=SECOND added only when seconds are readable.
h=12 m=24 s=38
